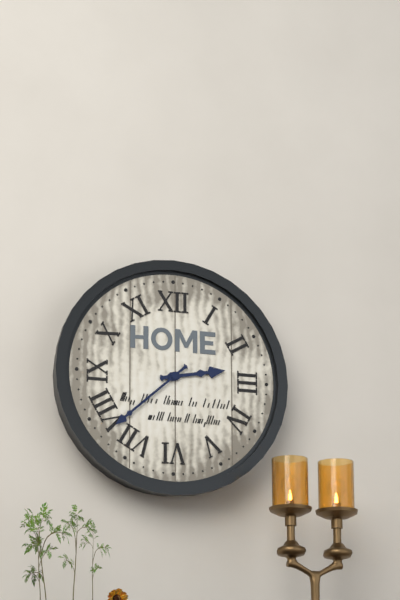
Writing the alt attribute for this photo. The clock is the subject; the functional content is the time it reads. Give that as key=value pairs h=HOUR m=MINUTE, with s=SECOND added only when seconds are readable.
h=2 m=38
